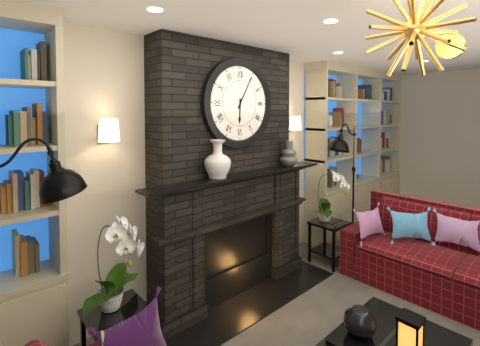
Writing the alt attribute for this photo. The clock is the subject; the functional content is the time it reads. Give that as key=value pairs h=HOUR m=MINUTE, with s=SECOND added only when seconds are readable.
h=6 m=5
